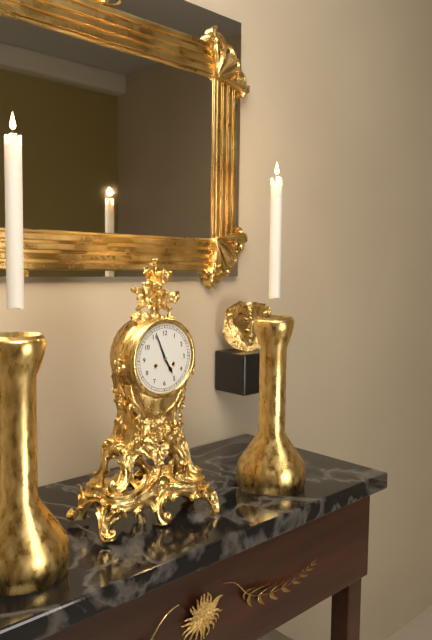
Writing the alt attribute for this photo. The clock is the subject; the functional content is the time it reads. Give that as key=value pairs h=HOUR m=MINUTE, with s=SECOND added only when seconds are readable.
h=4 m=56
